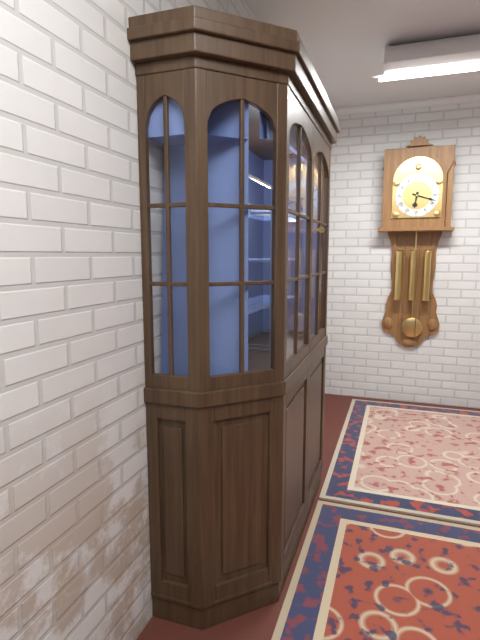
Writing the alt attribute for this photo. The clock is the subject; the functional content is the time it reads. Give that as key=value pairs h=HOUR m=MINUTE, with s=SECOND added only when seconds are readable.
h=6 m=18
